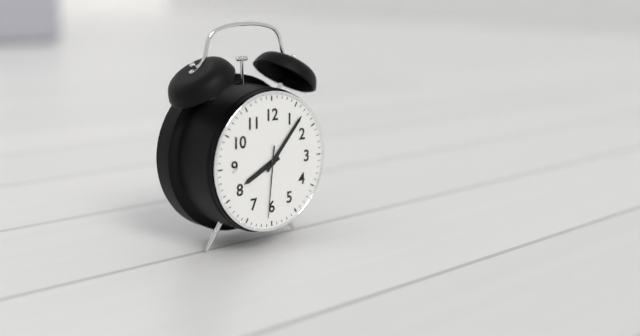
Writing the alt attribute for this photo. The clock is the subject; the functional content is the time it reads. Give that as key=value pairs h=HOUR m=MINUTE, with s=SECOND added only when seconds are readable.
h=8 m=7 s=31
